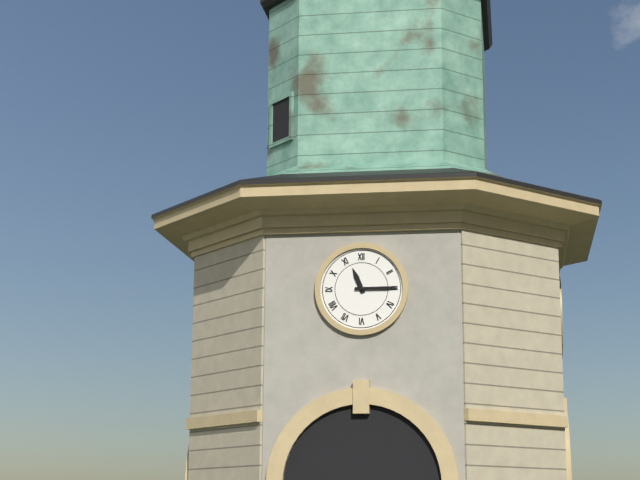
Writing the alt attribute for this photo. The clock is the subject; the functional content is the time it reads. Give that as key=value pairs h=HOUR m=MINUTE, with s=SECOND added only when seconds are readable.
h=11 m=15
